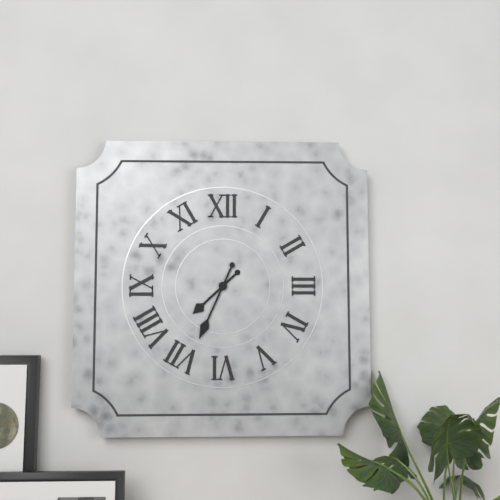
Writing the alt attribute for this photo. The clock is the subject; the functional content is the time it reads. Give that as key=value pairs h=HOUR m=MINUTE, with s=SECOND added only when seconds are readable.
h=7 m=34
